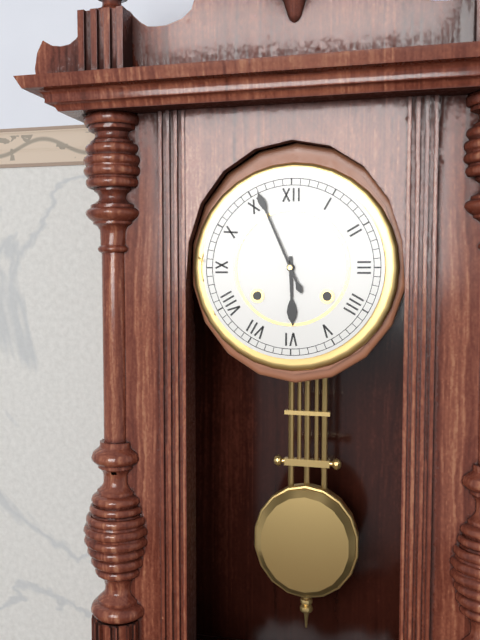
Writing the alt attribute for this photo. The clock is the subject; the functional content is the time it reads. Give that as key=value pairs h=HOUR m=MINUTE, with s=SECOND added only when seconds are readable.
h=5 m=56
